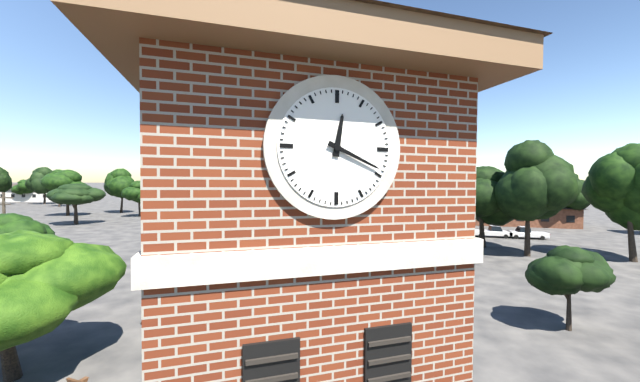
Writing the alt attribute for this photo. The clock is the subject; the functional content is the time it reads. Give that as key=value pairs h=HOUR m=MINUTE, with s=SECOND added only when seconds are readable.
h=12 m=19
